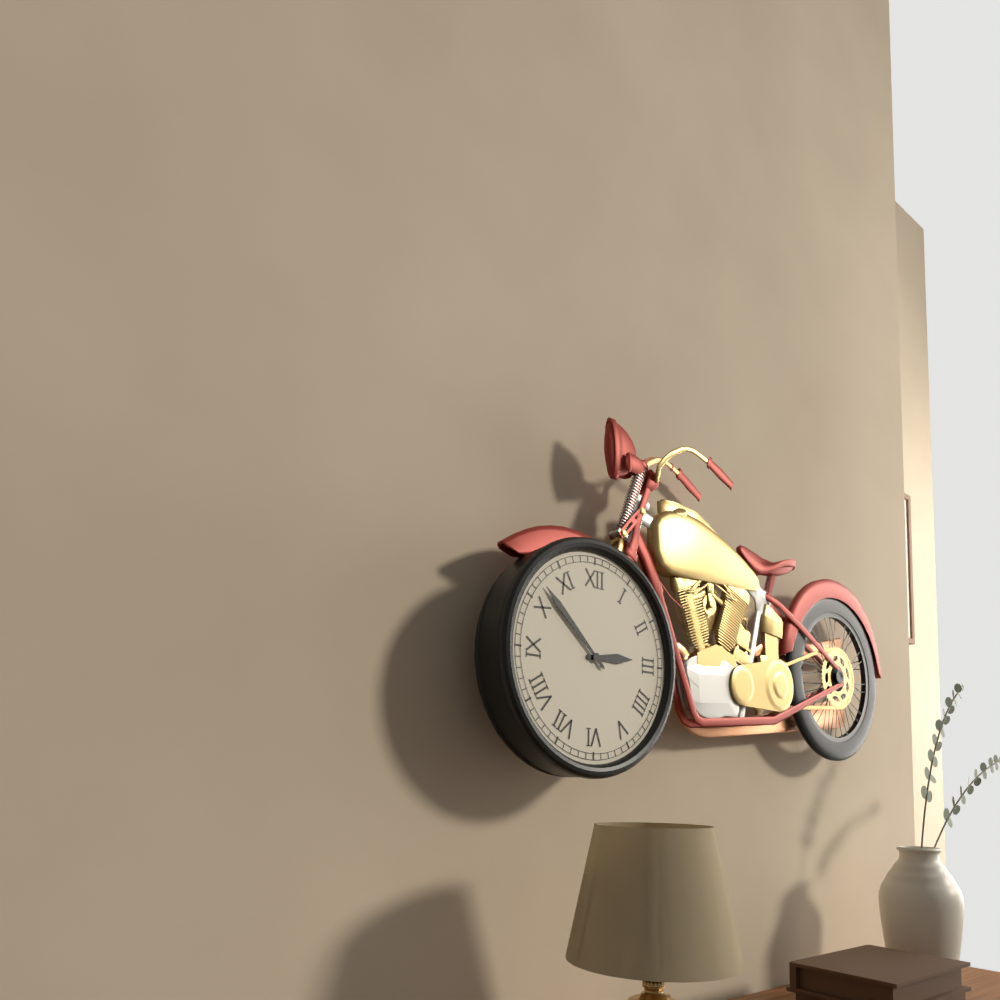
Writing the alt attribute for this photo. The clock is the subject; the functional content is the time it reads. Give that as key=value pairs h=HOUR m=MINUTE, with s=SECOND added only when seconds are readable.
h=2 m=52
